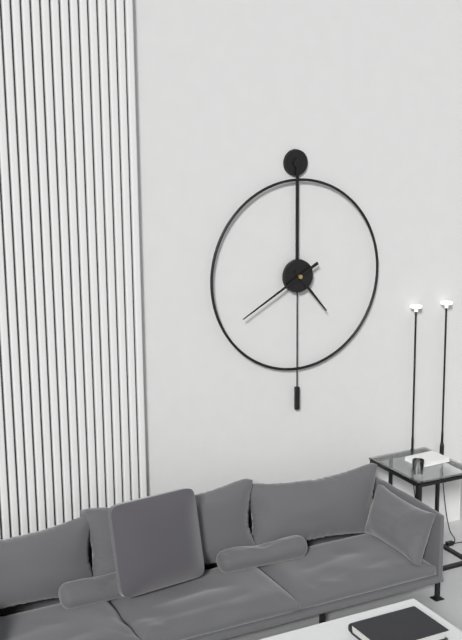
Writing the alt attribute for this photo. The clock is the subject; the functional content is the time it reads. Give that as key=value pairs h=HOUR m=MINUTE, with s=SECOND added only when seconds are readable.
h=4 m=40
